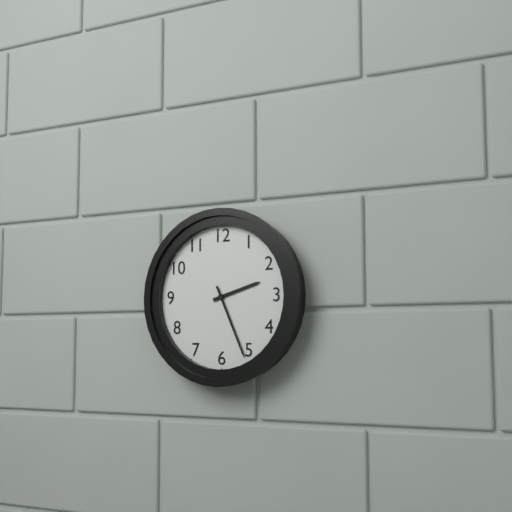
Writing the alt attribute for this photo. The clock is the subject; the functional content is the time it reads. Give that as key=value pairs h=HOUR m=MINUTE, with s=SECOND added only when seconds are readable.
h=2 m=26
